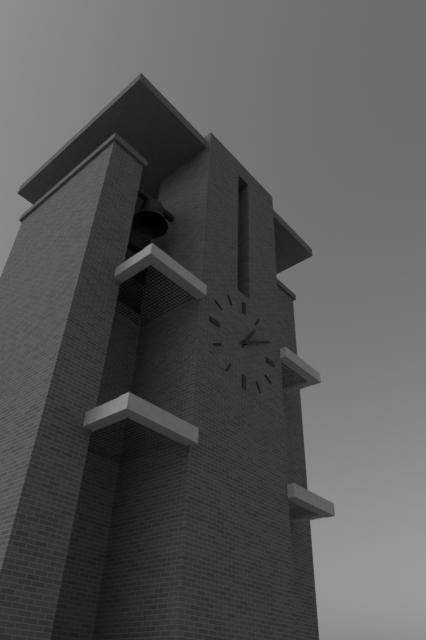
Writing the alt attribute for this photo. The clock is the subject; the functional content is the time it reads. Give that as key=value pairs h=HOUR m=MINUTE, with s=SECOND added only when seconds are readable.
h=1 m=10
